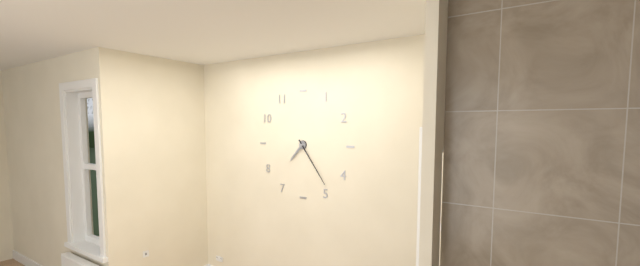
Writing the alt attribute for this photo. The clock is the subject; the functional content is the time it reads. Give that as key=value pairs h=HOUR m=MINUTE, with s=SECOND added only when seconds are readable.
h=7 m=24
